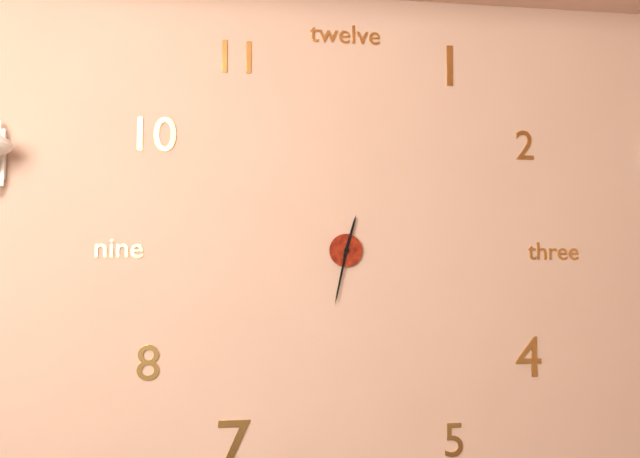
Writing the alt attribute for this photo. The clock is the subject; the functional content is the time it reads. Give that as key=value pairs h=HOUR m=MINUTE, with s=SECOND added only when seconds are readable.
h=12 m=32
